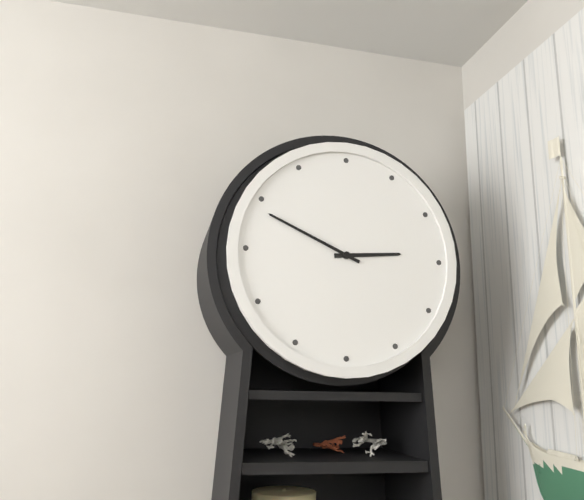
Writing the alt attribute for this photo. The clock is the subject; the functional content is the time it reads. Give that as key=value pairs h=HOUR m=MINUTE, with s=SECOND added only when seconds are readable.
h=2 m=49
